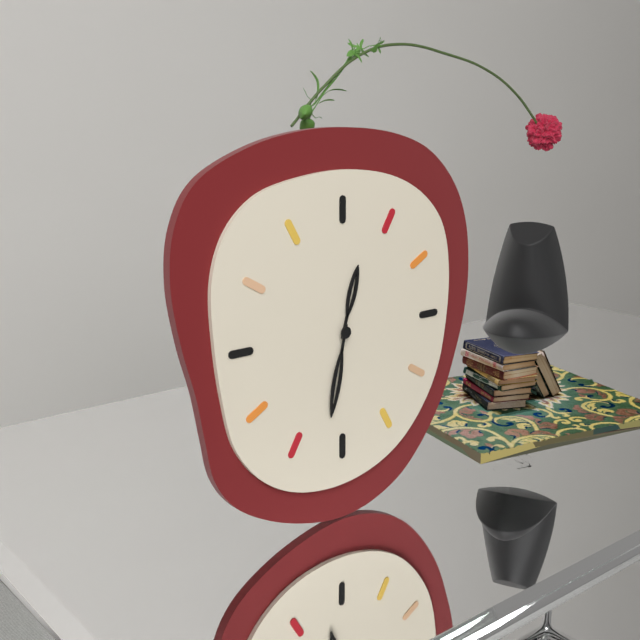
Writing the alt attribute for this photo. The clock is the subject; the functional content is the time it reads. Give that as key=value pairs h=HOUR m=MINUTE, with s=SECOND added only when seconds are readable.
h=12 m=32
